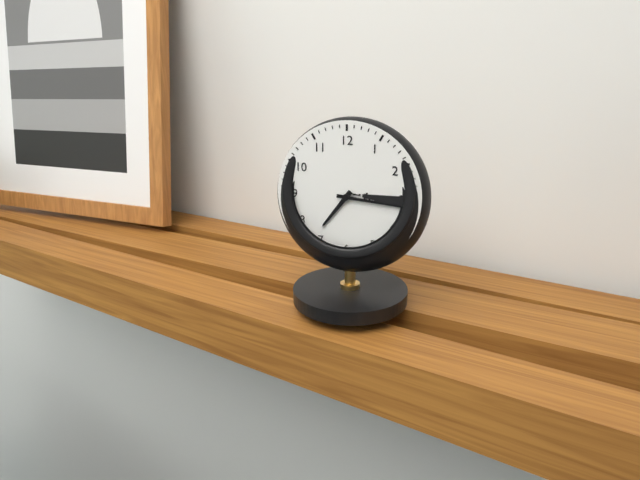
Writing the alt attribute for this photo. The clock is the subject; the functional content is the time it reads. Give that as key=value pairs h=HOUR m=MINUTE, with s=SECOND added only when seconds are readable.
h=7 m=16
